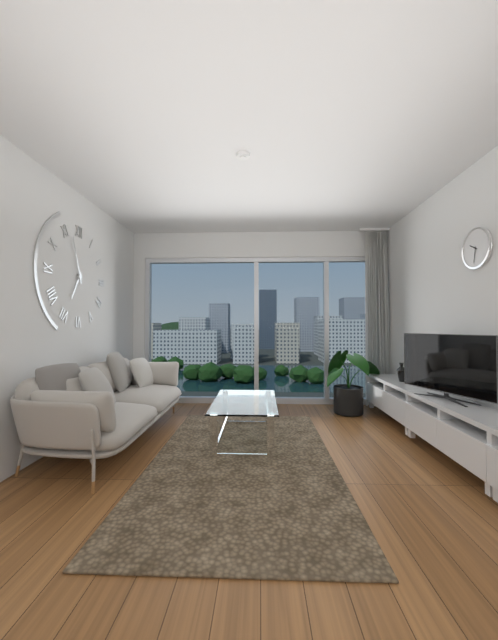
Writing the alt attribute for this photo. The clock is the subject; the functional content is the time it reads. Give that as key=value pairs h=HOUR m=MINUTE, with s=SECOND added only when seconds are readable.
h=6 m=57
